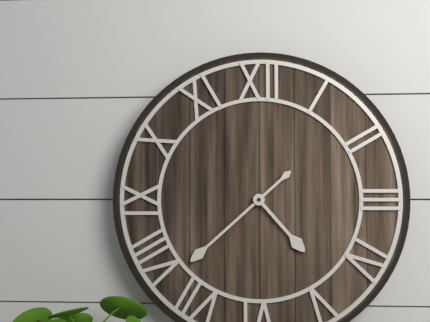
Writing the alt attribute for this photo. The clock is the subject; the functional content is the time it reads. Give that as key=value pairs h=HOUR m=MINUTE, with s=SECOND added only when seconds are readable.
h=4 m=38
